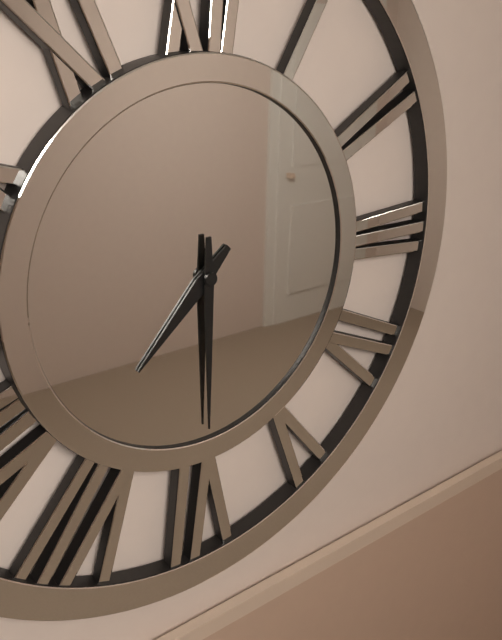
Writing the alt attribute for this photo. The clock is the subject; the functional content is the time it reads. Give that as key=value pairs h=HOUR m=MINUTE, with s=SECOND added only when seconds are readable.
h=7 m=30
